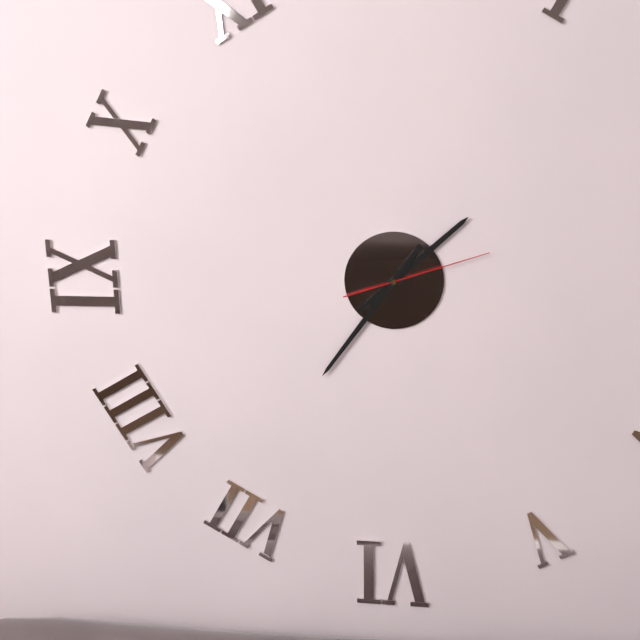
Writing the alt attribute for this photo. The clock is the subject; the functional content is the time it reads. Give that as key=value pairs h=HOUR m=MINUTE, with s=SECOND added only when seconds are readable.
h=1 m=36 s=12
